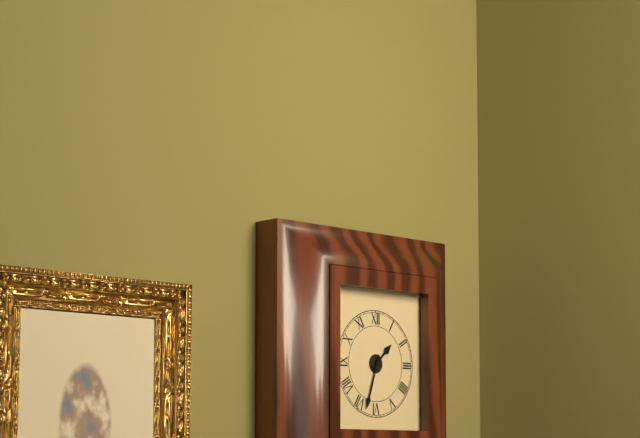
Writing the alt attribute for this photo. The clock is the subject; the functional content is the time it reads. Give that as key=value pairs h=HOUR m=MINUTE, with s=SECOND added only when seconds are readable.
h=1 m=33
